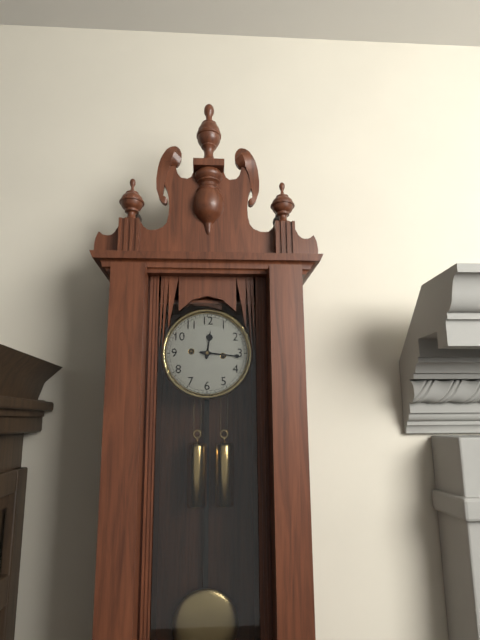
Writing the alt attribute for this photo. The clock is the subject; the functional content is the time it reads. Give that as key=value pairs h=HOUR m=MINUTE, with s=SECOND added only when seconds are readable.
h=12 m=16
